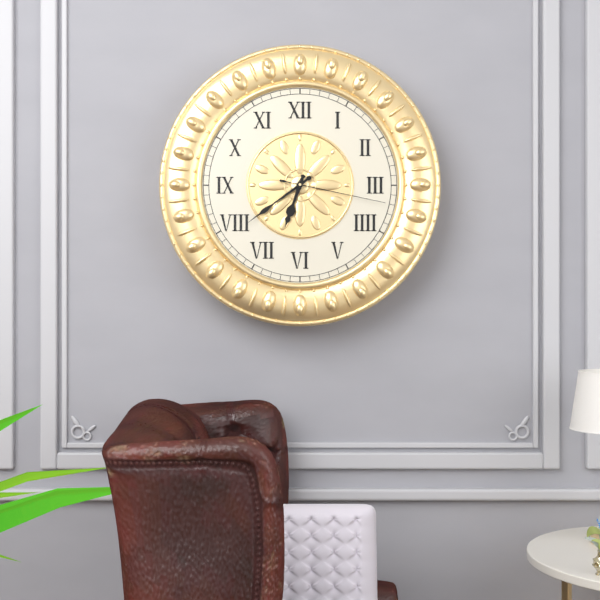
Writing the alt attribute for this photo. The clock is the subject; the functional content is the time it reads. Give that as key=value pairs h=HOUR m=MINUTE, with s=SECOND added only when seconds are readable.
h=6 m=39 s=17
